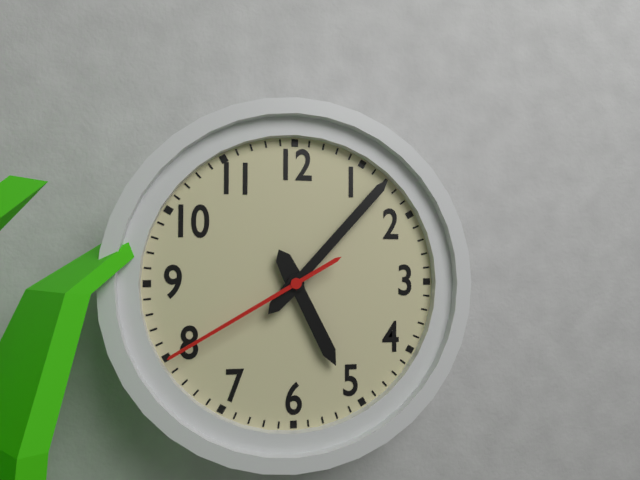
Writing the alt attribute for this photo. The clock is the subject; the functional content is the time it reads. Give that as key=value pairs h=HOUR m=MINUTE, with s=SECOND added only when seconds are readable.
h=5 m=7 s=40
